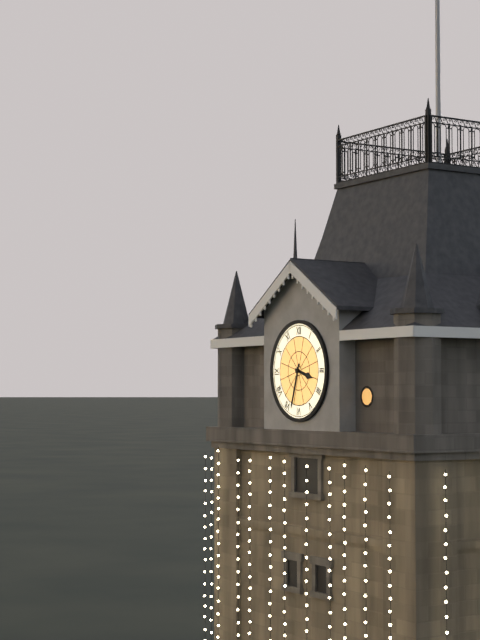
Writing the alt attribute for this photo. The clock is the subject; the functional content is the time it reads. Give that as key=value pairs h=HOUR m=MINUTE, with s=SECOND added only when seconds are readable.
h=3 m=33
